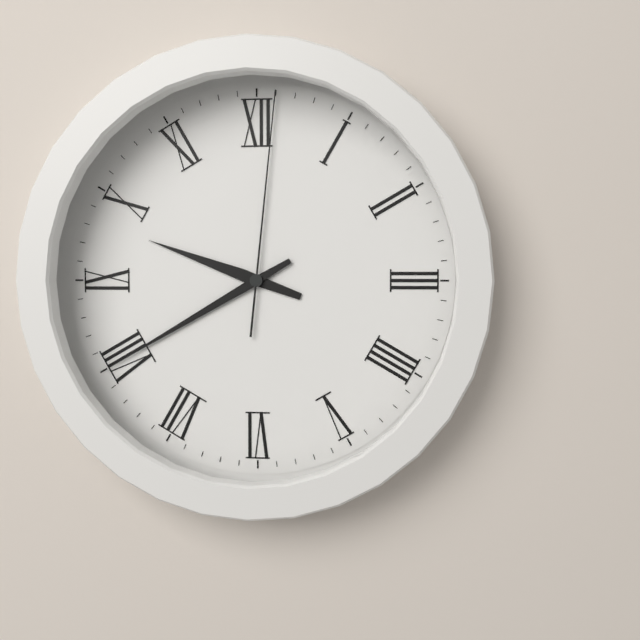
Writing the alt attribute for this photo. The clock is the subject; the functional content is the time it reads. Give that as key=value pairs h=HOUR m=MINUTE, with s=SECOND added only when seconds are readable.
h=9 m=40 s=1
